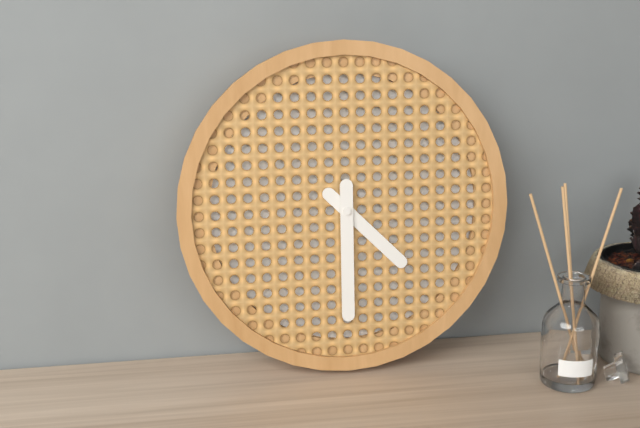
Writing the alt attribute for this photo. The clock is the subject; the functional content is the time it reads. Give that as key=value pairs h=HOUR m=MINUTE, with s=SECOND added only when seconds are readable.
h=4 m=30
